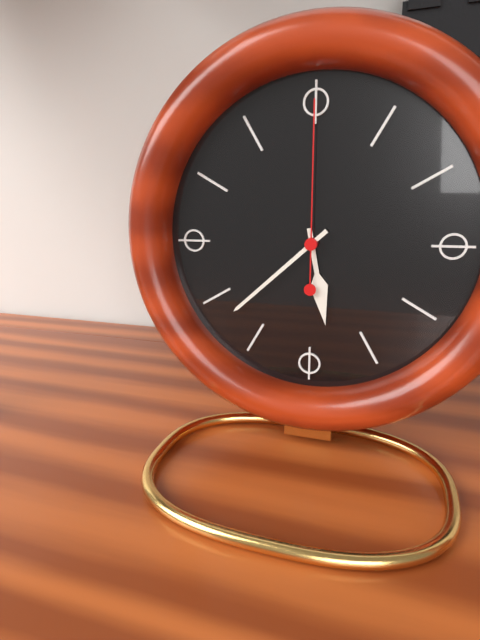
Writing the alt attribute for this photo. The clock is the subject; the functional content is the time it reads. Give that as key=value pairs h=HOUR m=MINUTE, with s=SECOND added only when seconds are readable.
h=5 m=38 s=0
